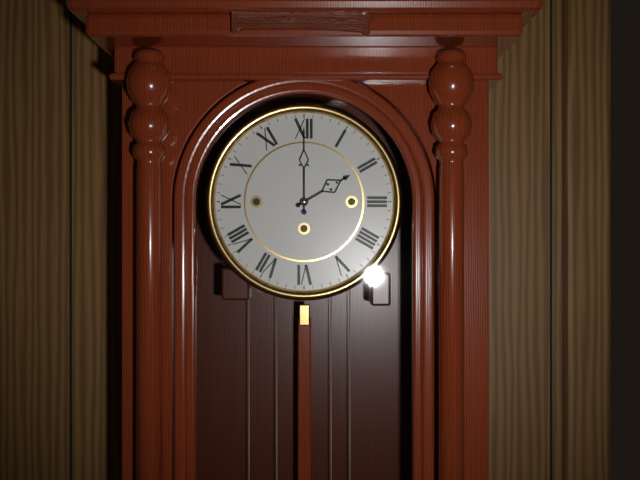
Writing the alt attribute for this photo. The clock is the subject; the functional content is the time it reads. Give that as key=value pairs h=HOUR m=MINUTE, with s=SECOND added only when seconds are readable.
h=2 m=0
